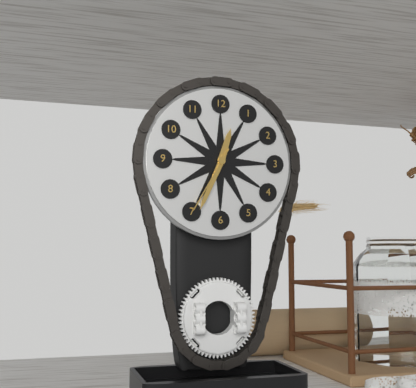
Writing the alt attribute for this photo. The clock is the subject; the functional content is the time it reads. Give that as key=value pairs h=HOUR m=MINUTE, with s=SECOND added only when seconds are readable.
h=12 m=34 s=35
